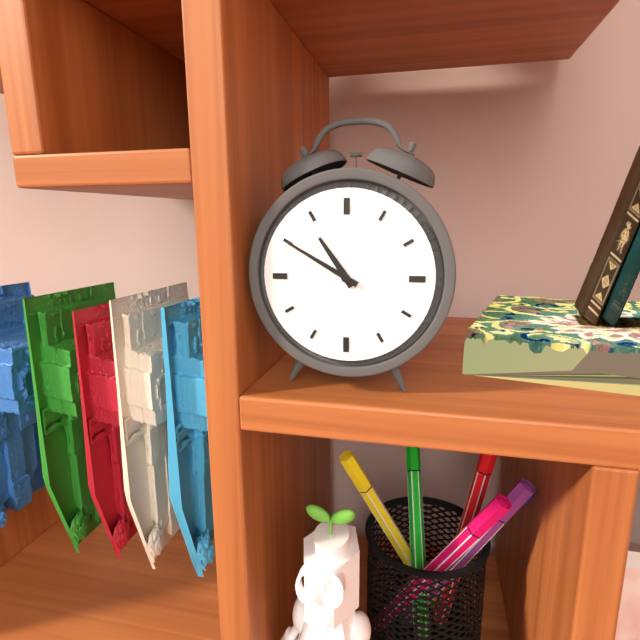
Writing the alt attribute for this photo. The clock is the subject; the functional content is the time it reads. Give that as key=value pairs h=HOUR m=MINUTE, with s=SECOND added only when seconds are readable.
h=10 m=50
